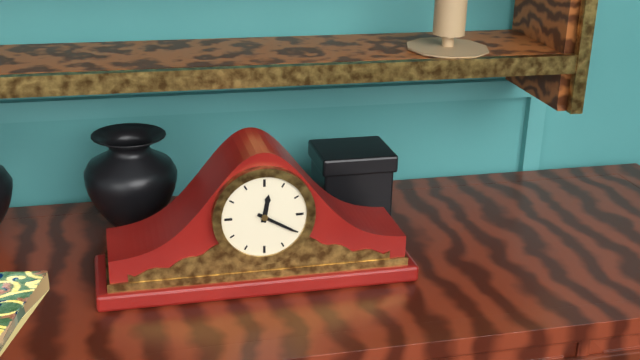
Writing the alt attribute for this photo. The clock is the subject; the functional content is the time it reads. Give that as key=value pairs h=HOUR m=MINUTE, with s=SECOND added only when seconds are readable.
h=12 m=20
